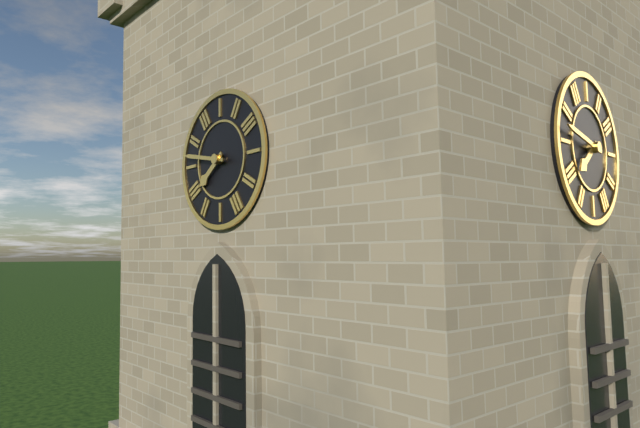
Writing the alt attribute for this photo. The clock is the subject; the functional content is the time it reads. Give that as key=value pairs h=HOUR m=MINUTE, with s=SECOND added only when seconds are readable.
h=7 m=47
